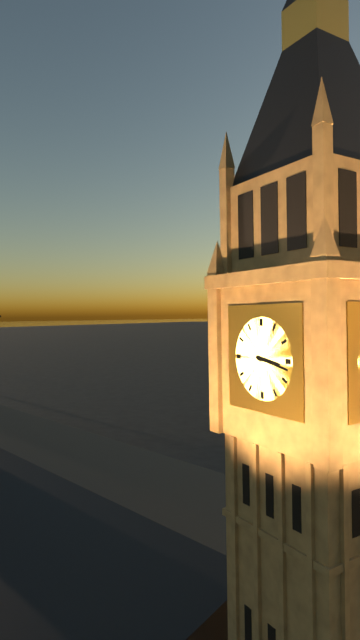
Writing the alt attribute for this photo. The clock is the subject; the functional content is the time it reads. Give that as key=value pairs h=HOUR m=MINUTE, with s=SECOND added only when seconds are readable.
h=3 m=17
